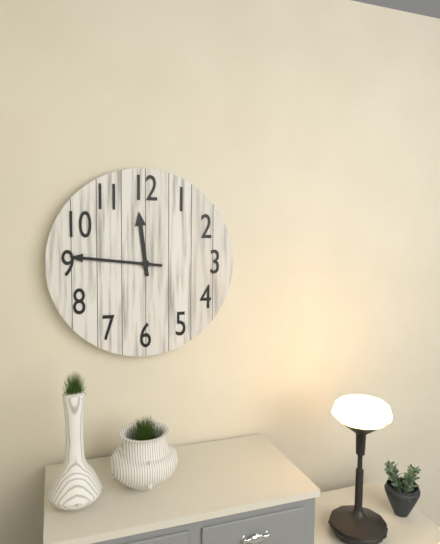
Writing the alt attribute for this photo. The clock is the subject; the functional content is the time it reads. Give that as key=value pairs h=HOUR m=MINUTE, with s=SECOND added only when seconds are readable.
h=11 m=46
